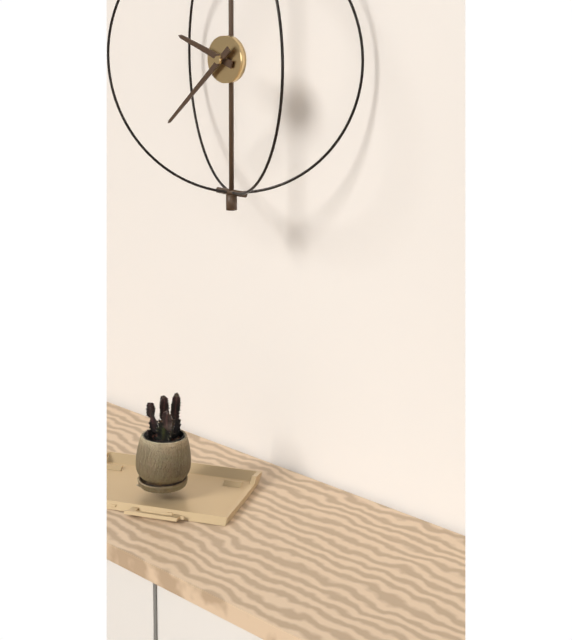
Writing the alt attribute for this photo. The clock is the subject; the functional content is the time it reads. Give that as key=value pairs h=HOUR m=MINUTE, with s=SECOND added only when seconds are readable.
h=9 m=38
